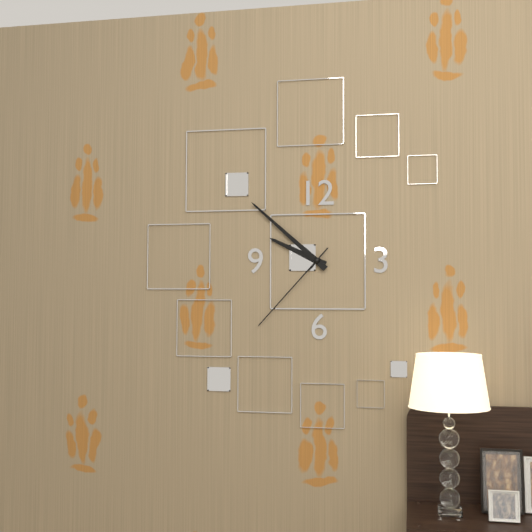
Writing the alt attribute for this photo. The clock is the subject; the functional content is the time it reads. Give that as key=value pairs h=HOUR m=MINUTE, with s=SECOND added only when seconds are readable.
h=9 m=52 s=37
